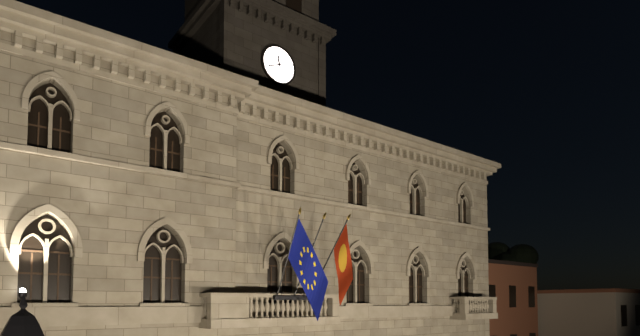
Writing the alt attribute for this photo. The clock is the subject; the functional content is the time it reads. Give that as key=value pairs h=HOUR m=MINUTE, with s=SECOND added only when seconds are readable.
h=11 m=41
